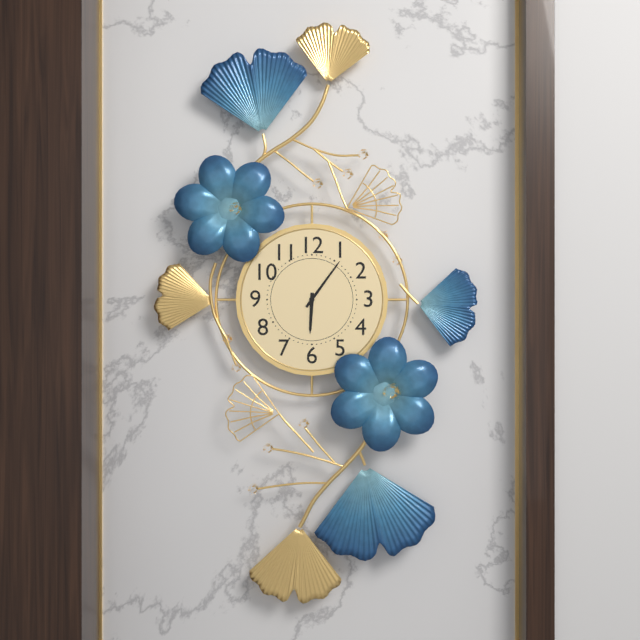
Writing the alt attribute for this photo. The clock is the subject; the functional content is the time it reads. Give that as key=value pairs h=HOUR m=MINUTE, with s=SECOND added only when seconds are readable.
h=6 m=6
